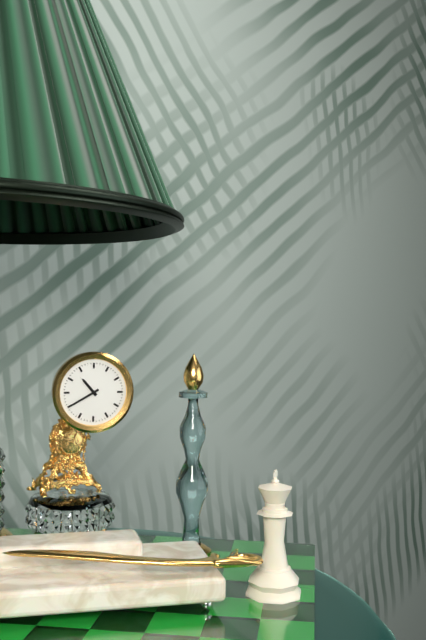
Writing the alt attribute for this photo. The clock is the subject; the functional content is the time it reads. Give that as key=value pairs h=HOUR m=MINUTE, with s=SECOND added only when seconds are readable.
h=10 m=40
